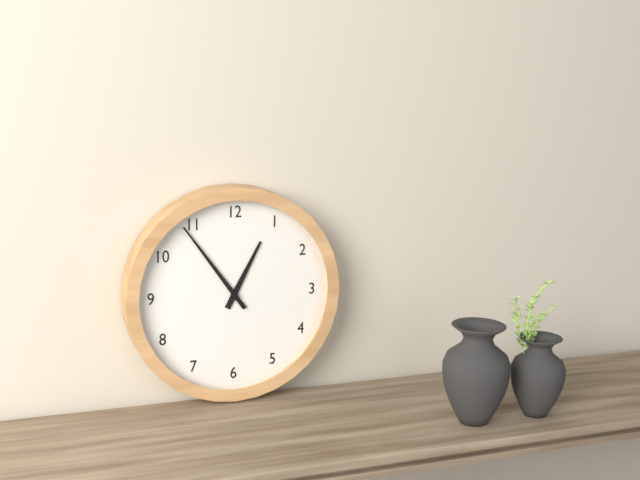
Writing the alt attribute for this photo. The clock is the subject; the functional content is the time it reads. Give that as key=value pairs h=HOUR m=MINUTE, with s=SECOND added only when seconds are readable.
h=12 m=54
